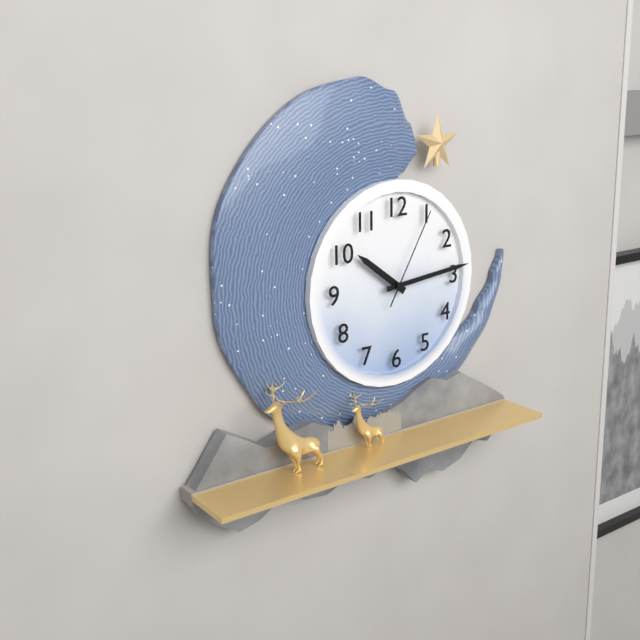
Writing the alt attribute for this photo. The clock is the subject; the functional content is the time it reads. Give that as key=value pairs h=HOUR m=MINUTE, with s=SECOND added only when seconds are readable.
h=10 m=14 s=5
